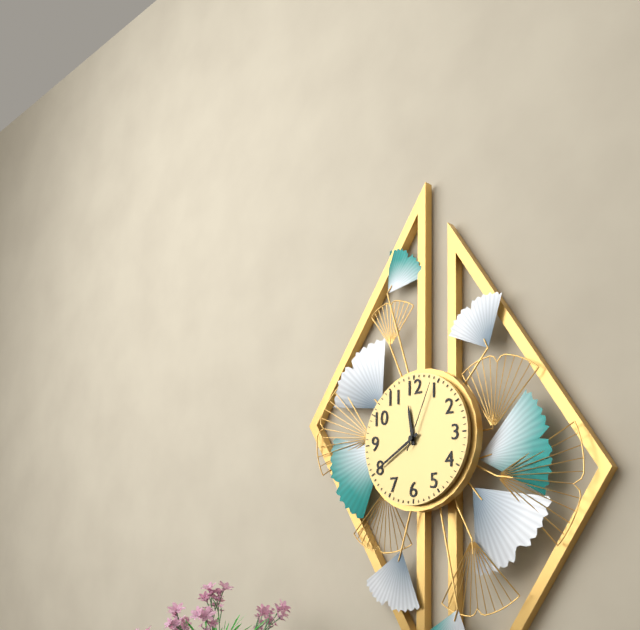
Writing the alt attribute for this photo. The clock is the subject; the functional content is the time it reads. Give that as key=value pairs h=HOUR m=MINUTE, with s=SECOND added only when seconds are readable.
h=11 m=40 s=4
